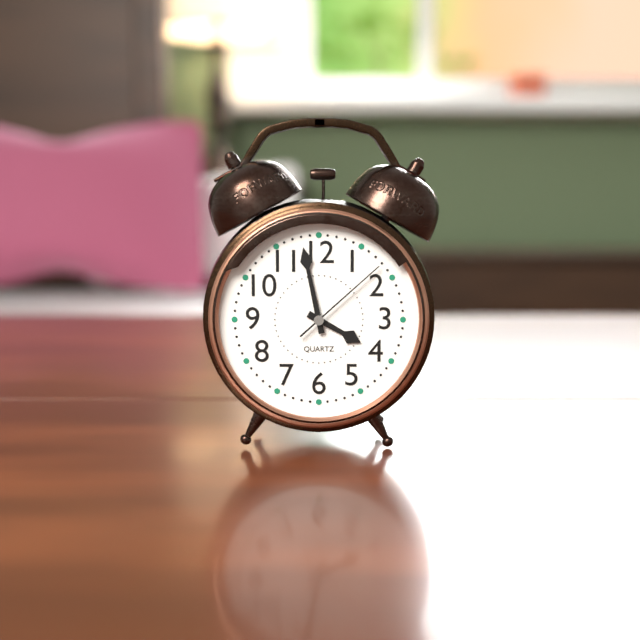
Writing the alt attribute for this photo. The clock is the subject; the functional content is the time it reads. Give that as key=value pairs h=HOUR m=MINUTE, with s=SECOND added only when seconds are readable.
h=3 m=58 s=8
